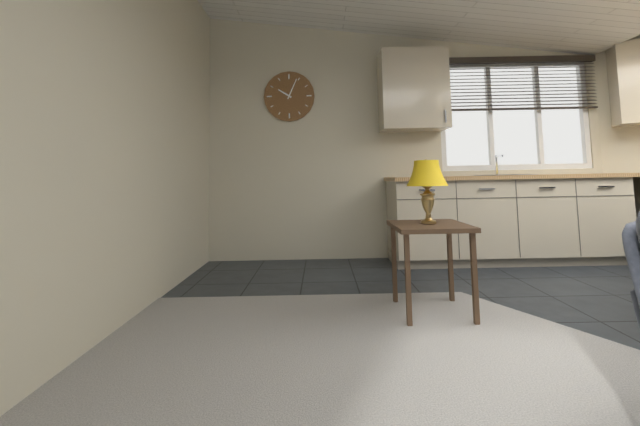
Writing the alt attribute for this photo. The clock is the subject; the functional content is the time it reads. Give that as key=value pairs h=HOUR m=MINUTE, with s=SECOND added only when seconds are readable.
h=10 m=4
